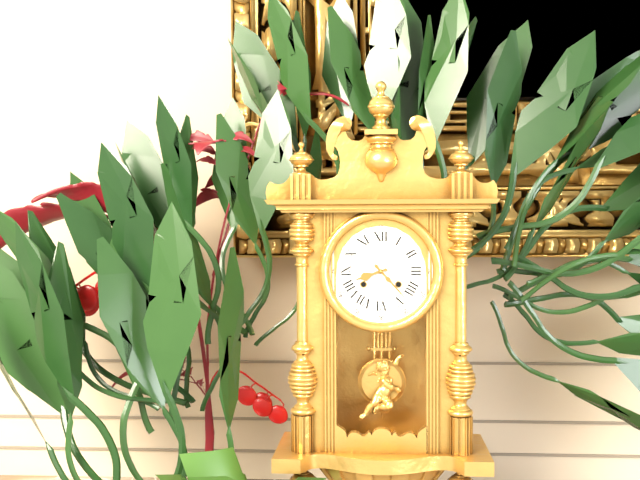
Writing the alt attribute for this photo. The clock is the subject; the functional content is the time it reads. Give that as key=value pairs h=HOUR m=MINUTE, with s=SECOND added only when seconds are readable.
h=8 m=23
